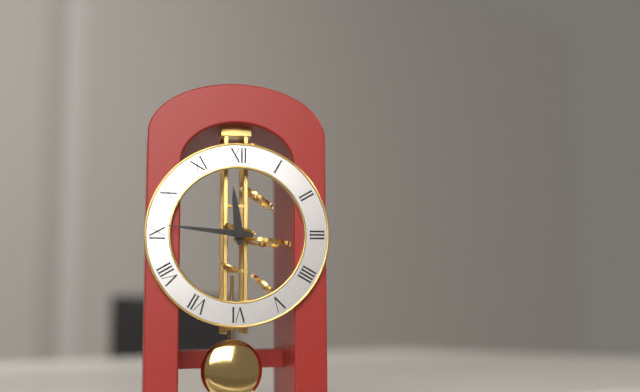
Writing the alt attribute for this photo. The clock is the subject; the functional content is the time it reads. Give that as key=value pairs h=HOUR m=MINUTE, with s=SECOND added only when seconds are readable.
h=11 m=46
